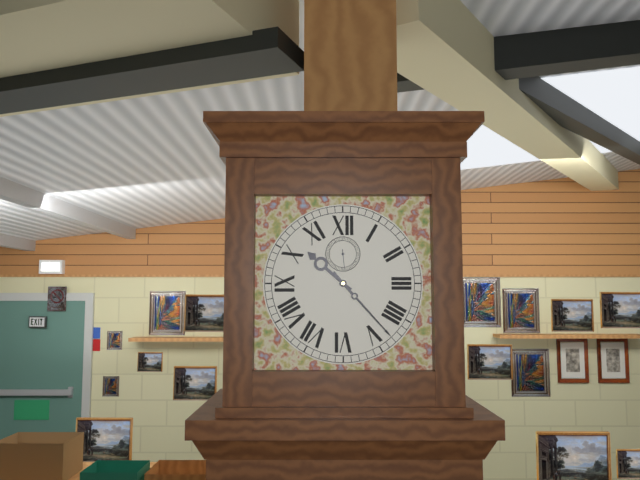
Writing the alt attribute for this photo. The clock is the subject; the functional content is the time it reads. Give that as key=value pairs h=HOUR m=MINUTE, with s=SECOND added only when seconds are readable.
h=10 m=23
